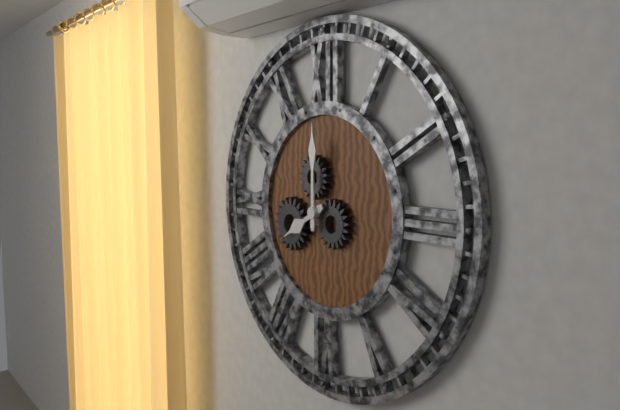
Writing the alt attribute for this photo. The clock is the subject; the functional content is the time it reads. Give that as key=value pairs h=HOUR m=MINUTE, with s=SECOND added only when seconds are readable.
h=8 m=0
